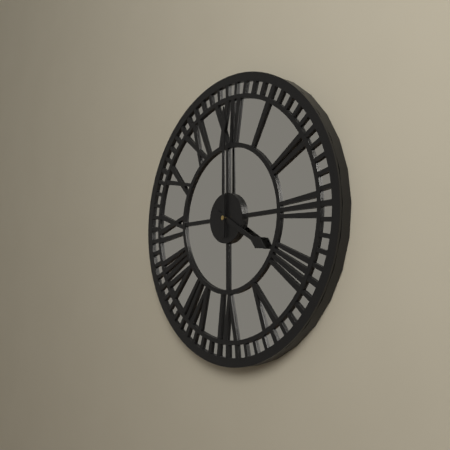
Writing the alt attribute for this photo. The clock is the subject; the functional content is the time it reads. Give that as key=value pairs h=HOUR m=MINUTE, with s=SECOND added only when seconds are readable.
h=4 m=0
